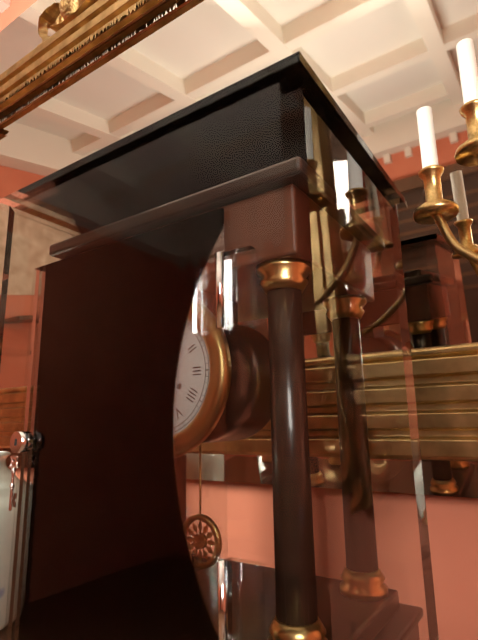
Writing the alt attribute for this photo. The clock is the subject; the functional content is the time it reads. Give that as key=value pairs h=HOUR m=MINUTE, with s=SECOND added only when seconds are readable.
h=8 m=48
